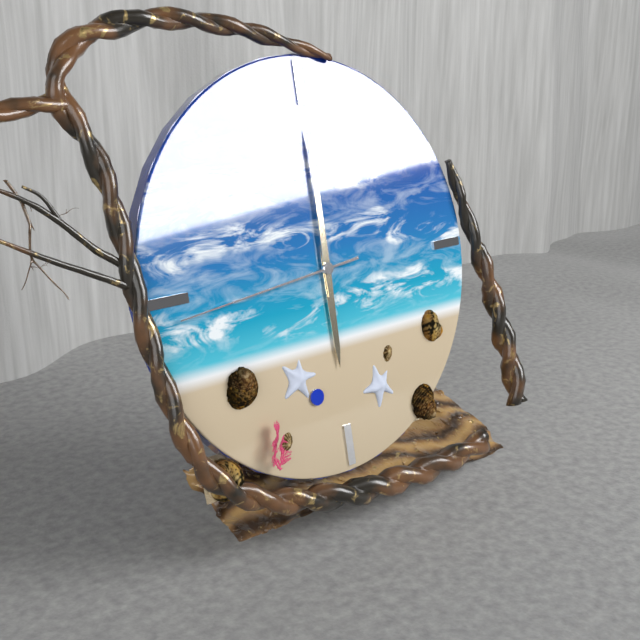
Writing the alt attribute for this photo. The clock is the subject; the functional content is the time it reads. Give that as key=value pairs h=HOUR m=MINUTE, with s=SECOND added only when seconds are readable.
h=6 m=0 s=44
